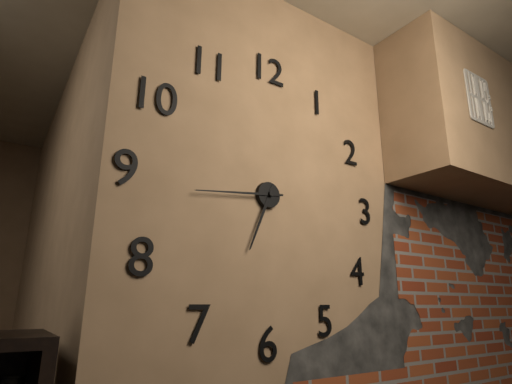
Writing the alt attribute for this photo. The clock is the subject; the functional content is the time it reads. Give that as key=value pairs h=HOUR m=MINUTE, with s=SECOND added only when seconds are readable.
h=6 m=44
